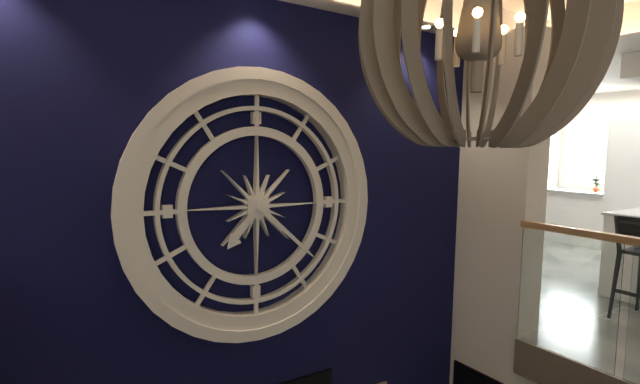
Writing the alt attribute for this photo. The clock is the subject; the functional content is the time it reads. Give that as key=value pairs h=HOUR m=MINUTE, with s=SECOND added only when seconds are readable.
h=7 m=22
